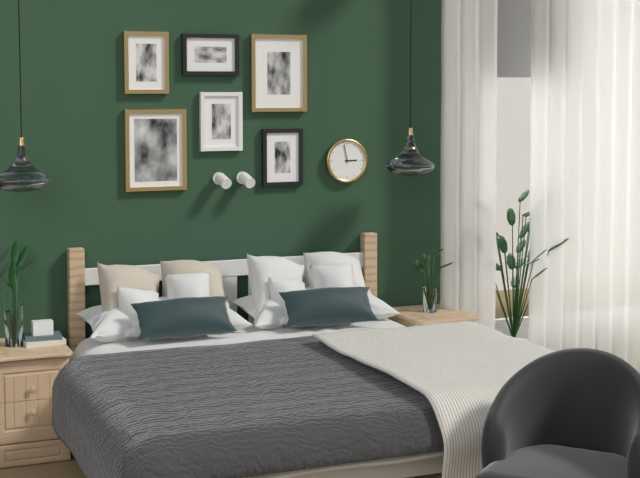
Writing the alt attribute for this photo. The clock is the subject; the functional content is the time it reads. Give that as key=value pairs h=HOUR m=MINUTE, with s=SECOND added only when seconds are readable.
h=2 m=58
